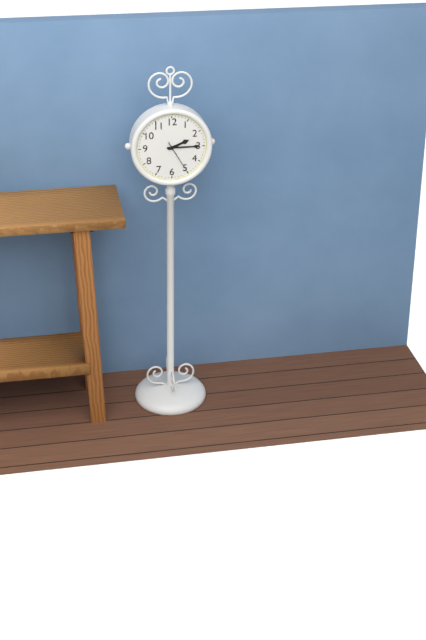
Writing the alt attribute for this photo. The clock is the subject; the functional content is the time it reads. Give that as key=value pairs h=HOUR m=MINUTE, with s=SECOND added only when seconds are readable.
h=2 m=15
